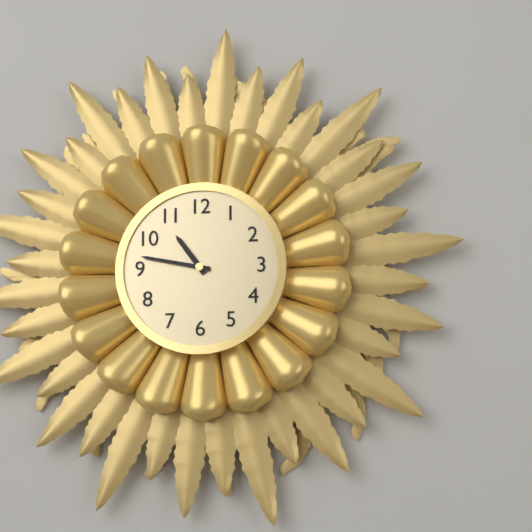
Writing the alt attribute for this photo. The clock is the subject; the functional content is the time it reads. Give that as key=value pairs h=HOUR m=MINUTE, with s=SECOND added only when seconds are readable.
h=10 m=47
